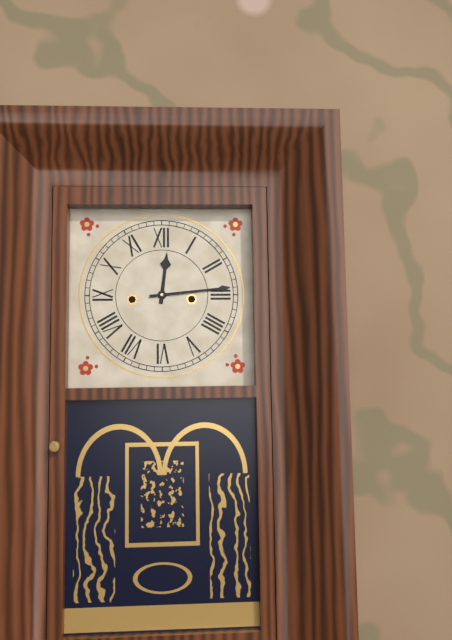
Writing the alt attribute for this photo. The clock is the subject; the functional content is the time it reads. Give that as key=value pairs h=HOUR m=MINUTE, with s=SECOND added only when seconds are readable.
h=12 m=14
